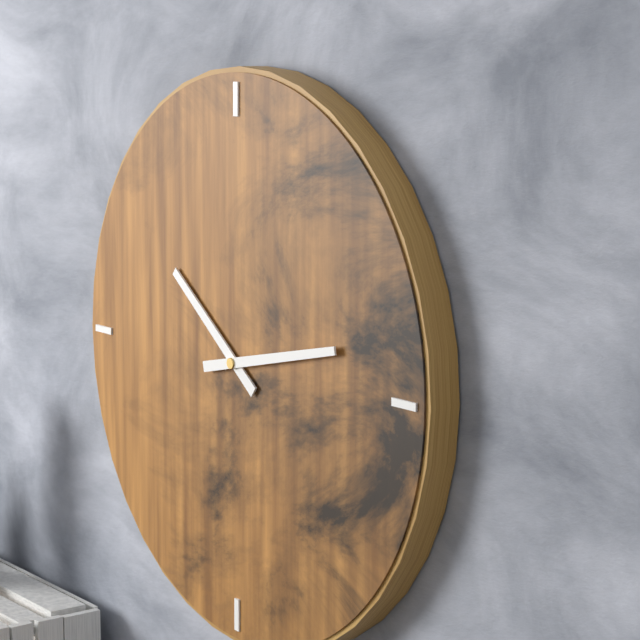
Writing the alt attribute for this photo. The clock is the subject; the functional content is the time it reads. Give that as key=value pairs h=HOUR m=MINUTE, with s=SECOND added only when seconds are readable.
h=10 m=13
